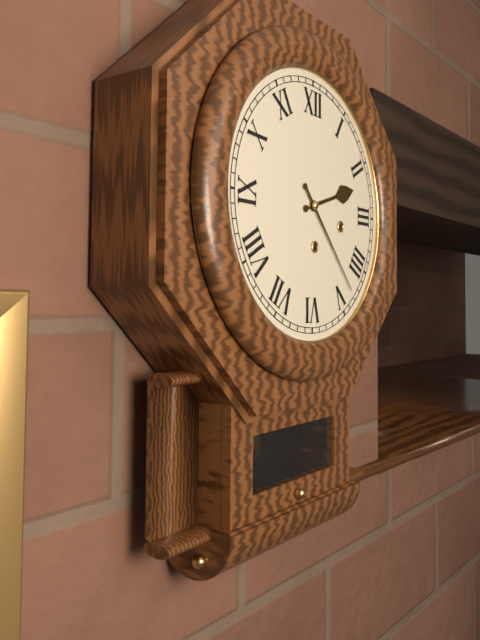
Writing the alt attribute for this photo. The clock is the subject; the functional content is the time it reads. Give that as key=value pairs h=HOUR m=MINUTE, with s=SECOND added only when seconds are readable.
h=2 m=23
